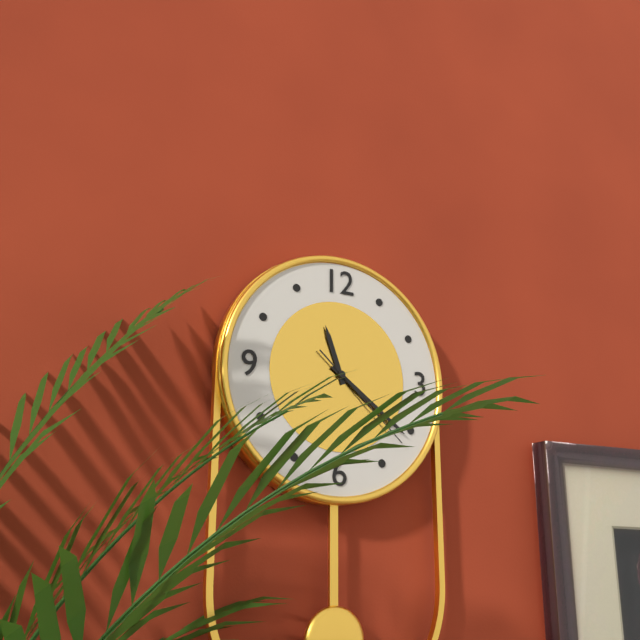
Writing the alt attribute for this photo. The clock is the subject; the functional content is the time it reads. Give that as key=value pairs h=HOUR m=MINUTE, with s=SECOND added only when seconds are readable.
h=11 m=21 s=22
